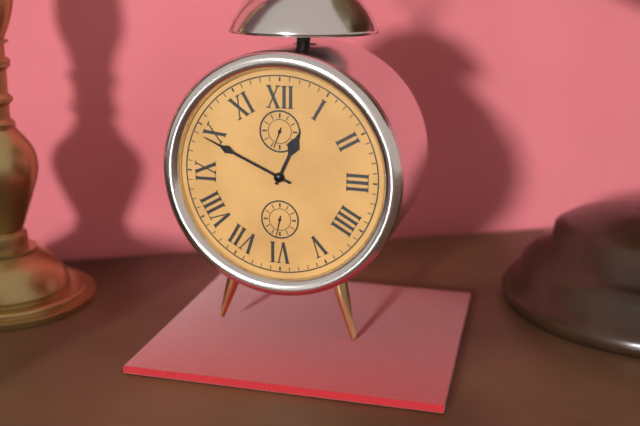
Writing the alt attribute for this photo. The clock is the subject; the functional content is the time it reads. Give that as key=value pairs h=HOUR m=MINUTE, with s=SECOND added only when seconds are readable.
h=12 m=49
